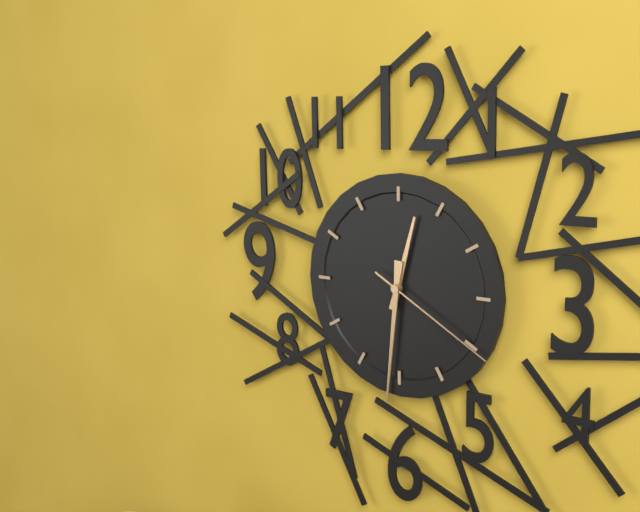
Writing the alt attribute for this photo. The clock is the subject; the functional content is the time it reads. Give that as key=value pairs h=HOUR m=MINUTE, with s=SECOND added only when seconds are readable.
h=12 m=31 s=20
